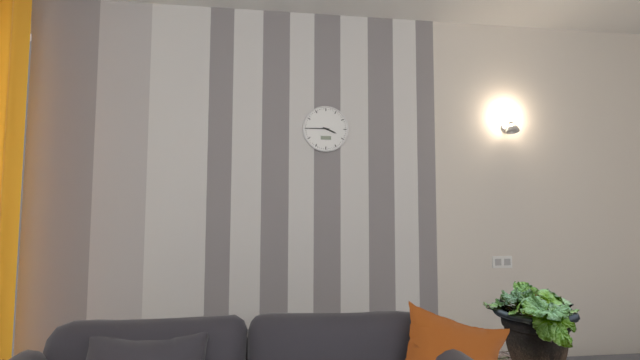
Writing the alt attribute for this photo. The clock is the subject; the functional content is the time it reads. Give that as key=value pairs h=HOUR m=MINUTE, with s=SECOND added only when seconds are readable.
h=3 m=45
